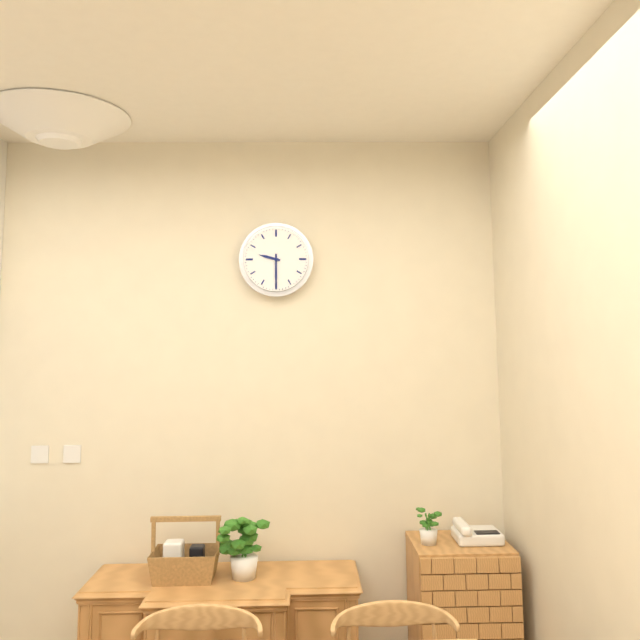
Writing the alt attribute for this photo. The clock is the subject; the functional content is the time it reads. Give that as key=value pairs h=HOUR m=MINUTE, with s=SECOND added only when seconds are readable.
h=9 m=30
